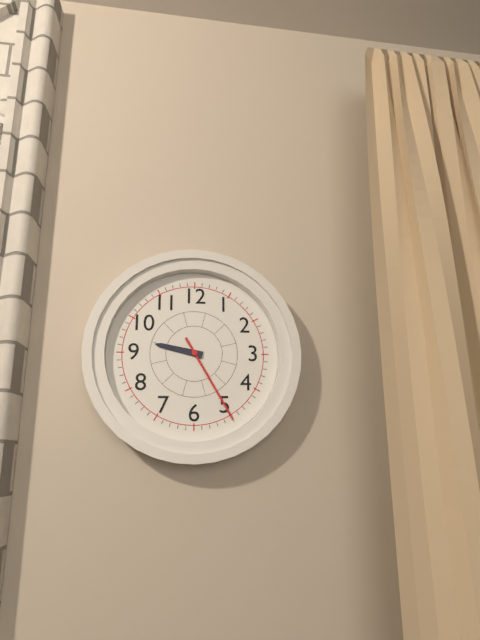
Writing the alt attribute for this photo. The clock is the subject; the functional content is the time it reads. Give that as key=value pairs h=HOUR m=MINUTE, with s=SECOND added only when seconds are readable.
h=9 m=25
